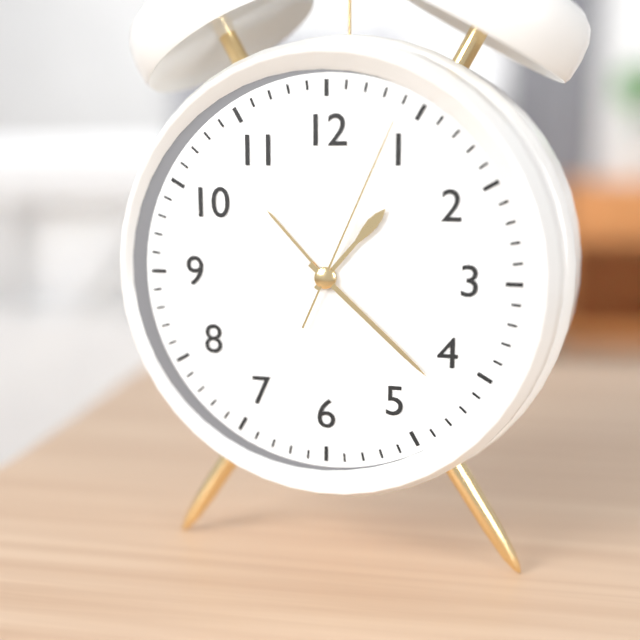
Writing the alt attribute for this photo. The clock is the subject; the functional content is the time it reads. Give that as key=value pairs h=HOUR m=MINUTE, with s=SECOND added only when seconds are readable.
h=1 m=22 s=4
